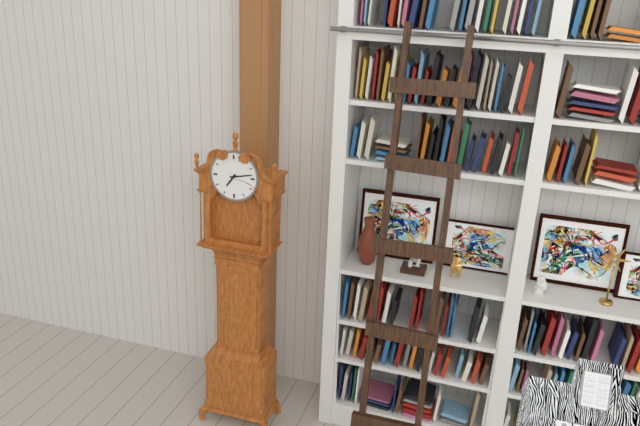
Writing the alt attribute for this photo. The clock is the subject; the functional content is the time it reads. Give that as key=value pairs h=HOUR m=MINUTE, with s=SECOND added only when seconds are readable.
h=7 m=13
